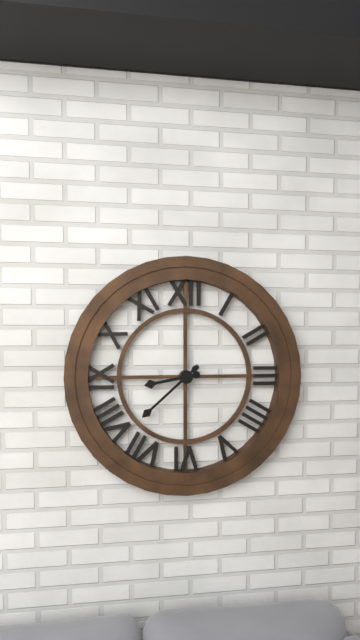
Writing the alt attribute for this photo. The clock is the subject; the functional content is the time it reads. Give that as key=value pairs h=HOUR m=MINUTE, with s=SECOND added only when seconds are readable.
h=8 m=38
